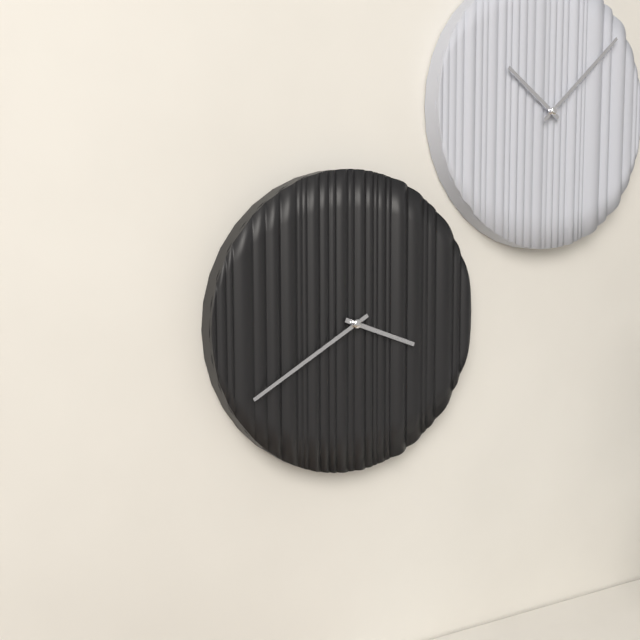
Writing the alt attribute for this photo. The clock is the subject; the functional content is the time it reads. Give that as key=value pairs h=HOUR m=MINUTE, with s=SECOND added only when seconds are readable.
h=3 m=40
